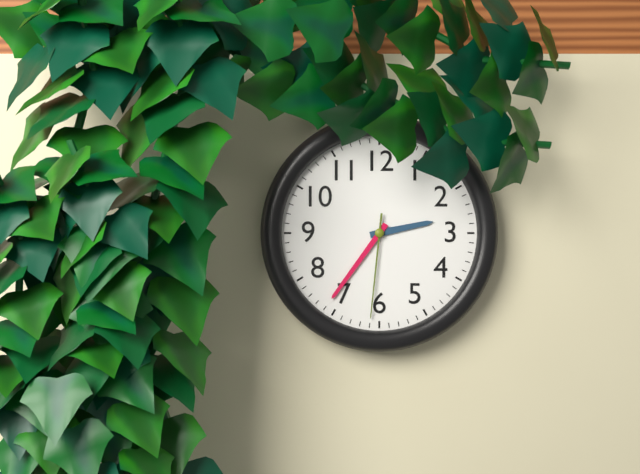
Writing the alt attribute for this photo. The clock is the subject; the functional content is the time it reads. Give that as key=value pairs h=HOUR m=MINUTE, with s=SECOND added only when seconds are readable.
h=2 m=36 s=31
